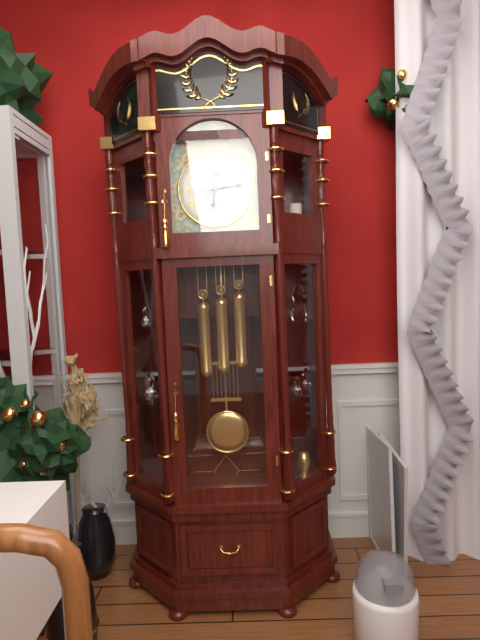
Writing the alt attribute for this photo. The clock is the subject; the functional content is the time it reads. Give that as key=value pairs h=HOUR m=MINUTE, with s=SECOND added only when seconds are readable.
h=6 m=14
